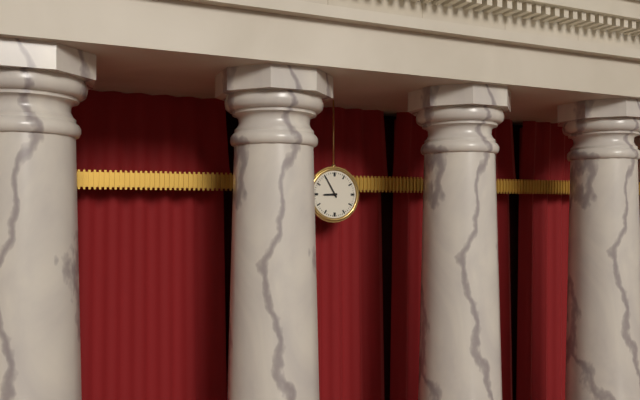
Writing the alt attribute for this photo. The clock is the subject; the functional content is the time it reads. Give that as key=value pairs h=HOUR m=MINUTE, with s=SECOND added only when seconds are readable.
h=8 m=55
